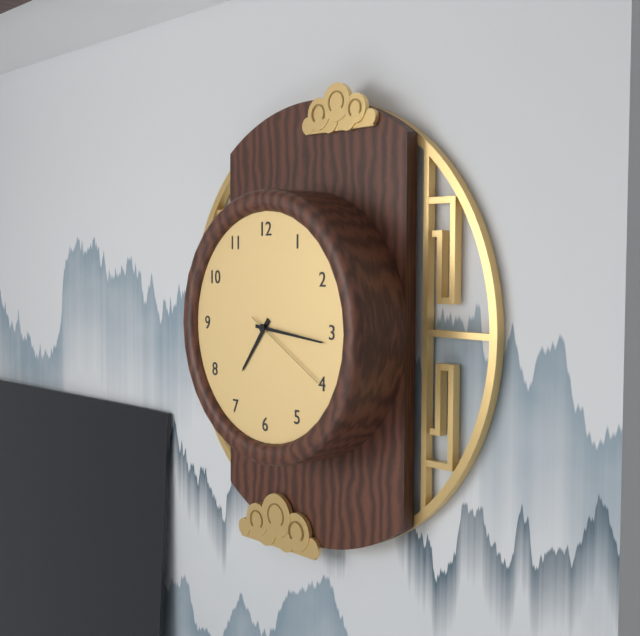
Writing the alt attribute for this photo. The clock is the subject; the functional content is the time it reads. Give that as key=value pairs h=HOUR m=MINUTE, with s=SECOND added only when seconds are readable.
h=7 m=16 s=20
